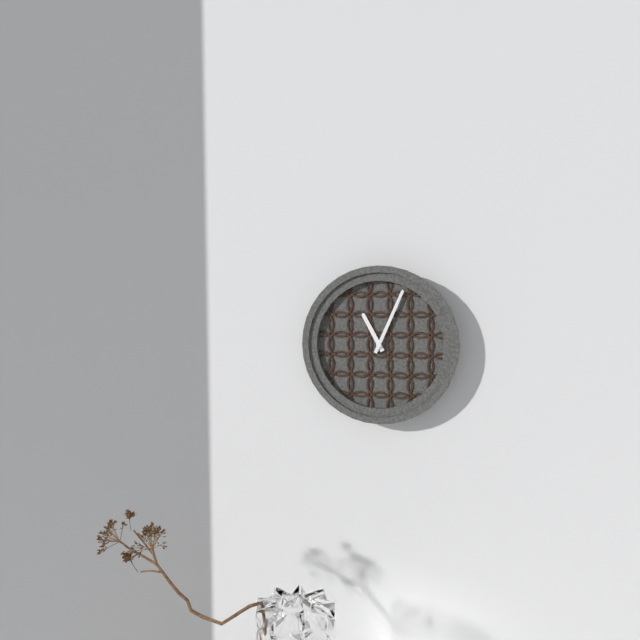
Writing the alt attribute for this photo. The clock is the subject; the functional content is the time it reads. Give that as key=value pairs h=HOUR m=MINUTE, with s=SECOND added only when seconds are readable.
h=11 m=4
